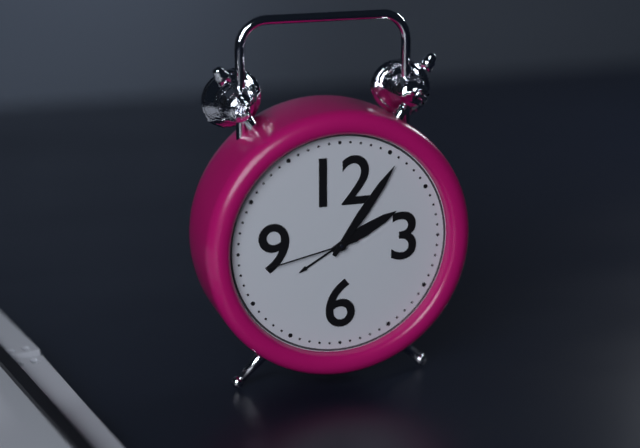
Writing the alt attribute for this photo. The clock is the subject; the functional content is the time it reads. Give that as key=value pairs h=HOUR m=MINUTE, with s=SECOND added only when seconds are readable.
h=2 m=6 s=43
